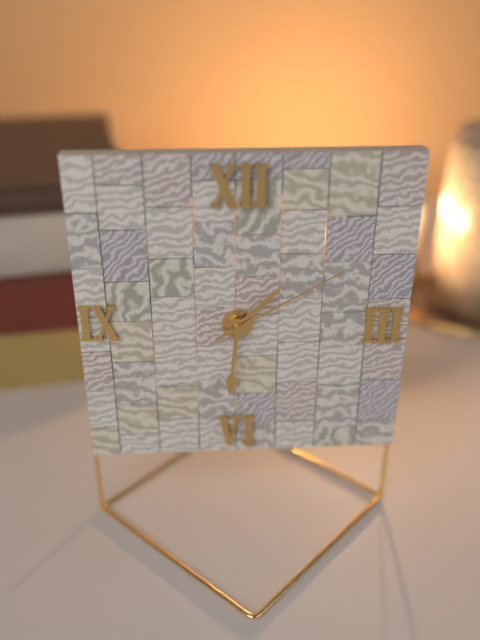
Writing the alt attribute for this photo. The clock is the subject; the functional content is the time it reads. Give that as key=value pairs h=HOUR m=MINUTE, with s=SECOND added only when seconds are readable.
h=1 m=31 s=10
